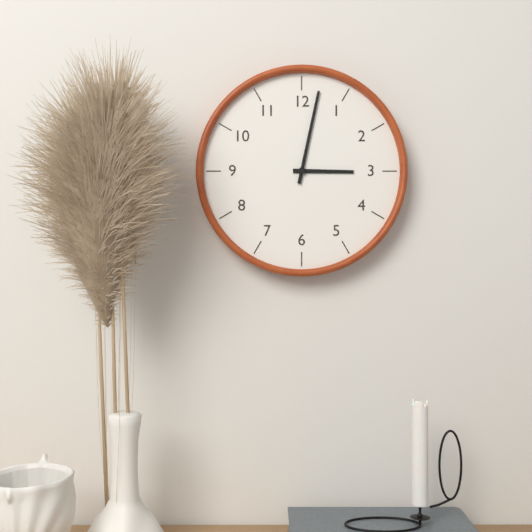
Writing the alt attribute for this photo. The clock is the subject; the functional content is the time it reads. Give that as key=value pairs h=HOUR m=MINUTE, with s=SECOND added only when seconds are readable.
h=3 m=2
